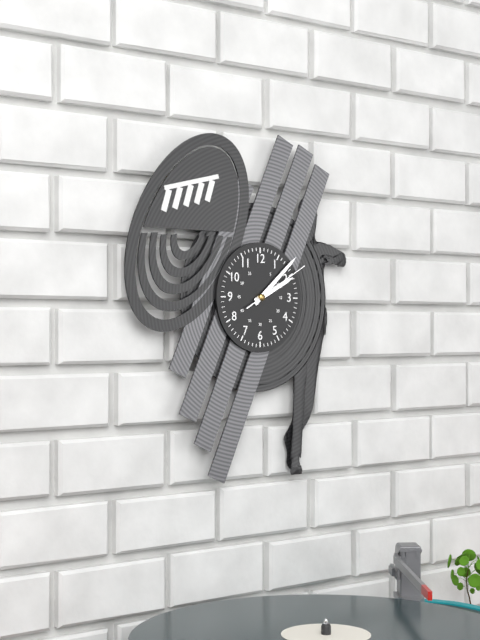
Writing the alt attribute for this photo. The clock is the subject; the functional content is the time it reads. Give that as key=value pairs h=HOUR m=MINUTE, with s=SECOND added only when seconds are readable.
h=2 m=8 s=10
